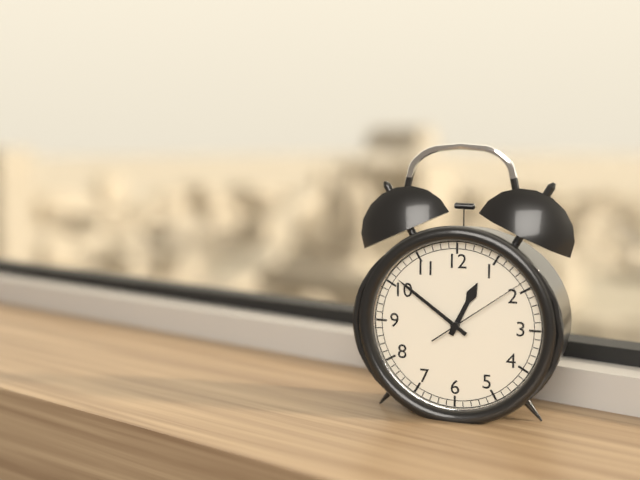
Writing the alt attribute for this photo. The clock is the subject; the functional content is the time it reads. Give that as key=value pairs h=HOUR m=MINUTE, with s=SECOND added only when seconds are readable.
h=12 m=51 s=9
